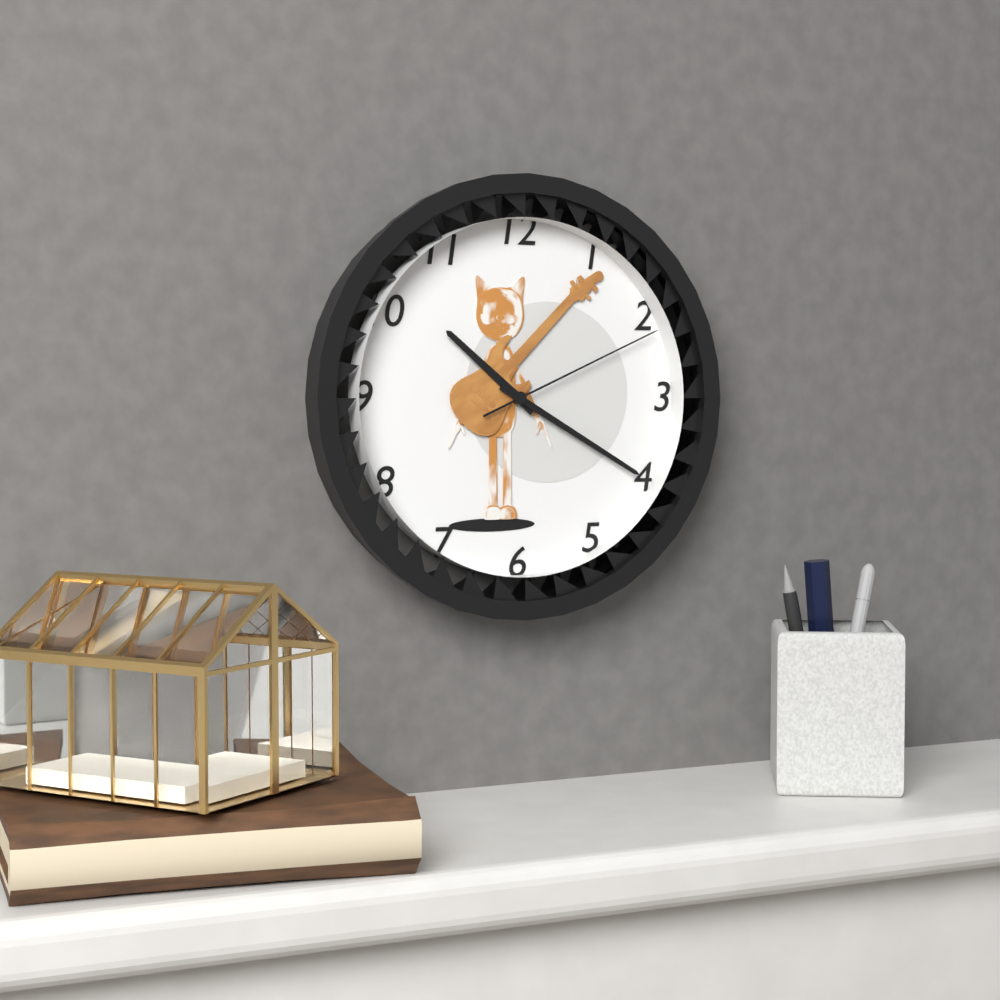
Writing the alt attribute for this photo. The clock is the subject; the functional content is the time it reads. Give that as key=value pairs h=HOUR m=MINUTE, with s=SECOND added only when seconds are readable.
h=10 m=20 s=11
